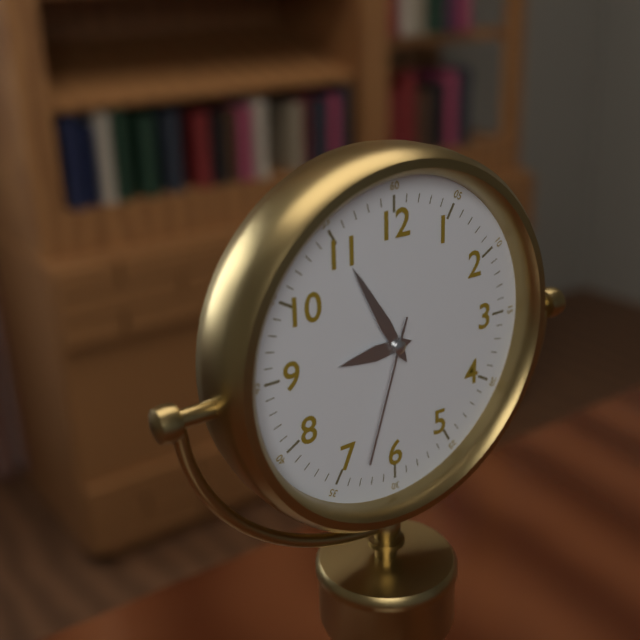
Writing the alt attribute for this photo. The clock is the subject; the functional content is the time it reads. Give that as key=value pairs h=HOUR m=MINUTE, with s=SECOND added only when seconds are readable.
h=8 m=55 s=33
